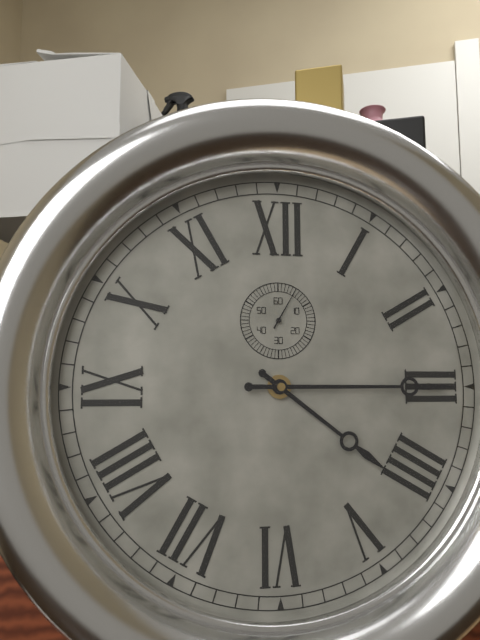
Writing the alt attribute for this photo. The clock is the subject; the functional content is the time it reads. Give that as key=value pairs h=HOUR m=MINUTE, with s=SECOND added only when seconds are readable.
h=4 m=15
